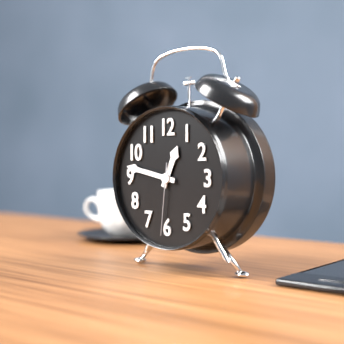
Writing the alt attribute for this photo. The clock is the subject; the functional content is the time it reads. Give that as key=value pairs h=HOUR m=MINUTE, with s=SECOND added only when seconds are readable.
h=12 m=47 s=31
